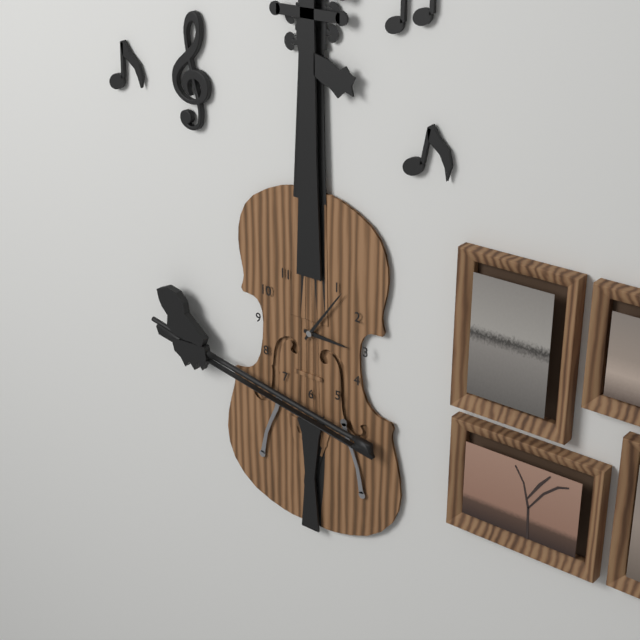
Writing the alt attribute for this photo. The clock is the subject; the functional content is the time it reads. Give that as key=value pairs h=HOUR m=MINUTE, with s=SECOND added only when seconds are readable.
h=3 m=6
